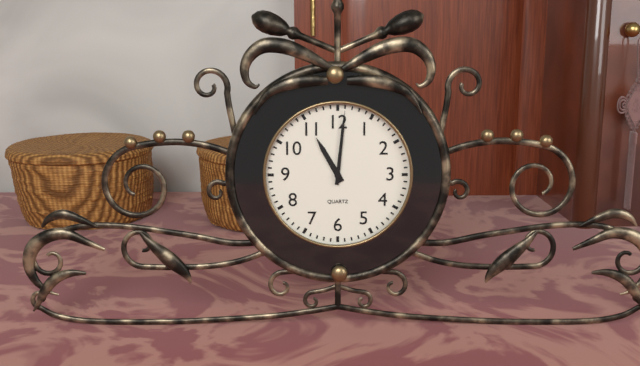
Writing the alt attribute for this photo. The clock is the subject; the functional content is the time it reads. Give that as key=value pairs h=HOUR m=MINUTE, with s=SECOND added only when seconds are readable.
h=11 m=1
